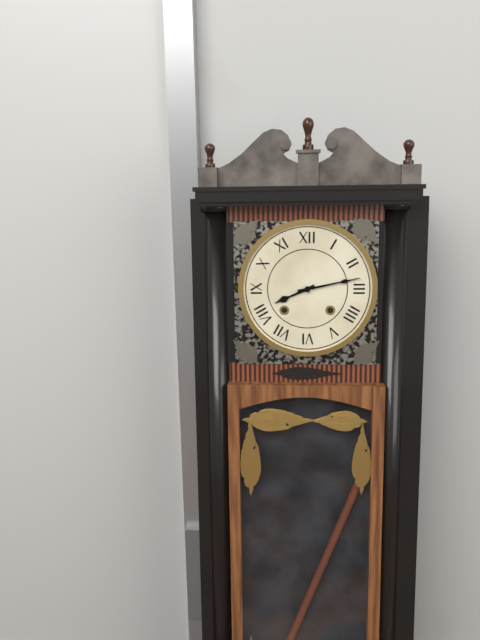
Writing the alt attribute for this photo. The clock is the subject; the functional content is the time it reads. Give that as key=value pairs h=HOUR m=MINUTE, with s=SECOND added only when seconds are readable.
h=8 m=13
